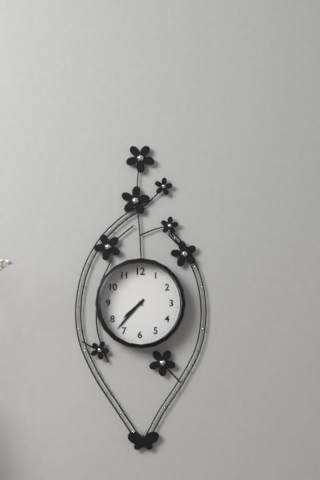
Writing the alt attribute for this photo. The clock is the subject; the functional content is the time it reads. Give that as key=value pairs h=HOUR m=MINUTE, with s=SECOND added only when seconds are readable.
h=7 m=37
